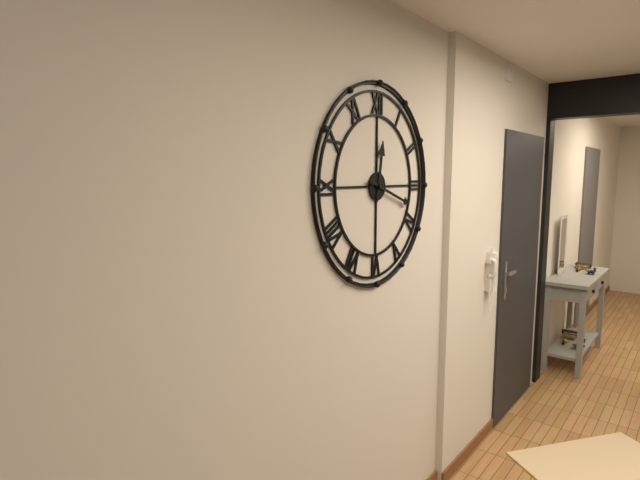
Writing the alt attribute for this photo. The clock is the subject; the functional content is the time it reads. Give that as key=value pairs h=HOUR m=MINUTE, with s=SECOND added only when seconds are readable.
h=12 m=18
